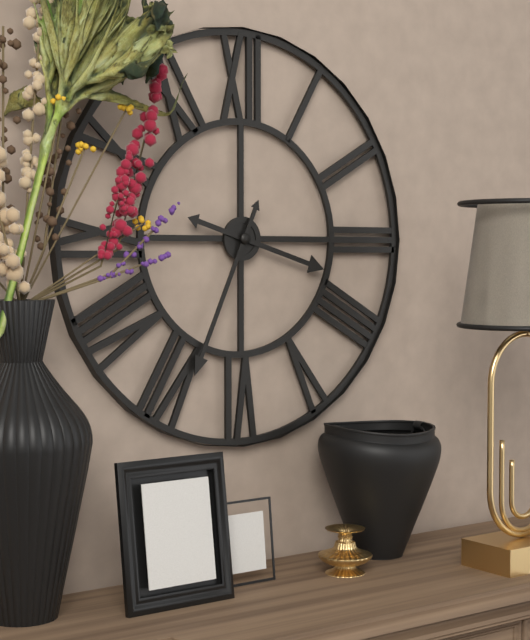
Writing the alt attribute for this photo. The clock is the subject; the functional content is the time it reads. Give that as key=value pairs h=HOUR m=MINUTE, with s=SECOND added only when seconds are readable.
h=3 m=34
